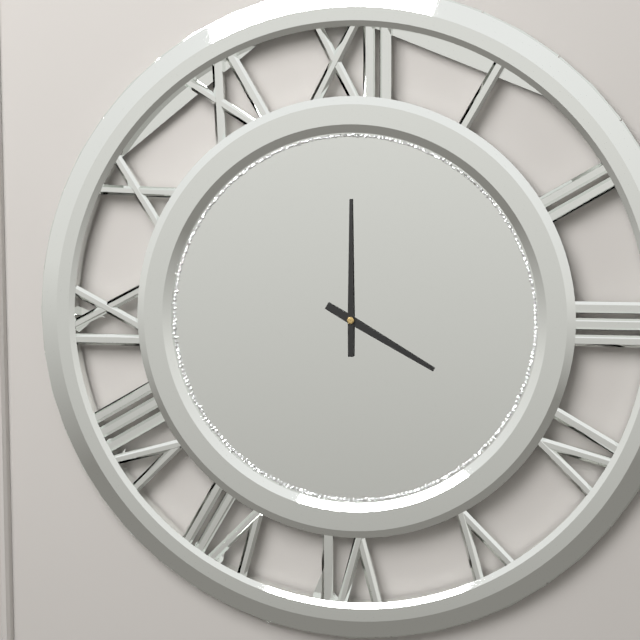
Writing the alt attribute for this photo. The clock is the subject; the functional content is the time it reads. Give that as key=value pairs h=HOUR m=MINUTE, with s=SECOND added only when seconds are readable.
h=4 m=0
